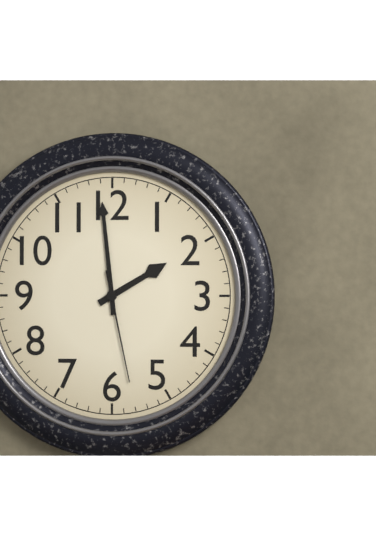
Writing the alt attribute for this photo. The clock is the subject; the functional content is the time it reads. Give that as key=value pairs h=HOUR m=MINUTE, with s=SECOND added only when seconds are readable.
h=1 m=59 s=28
